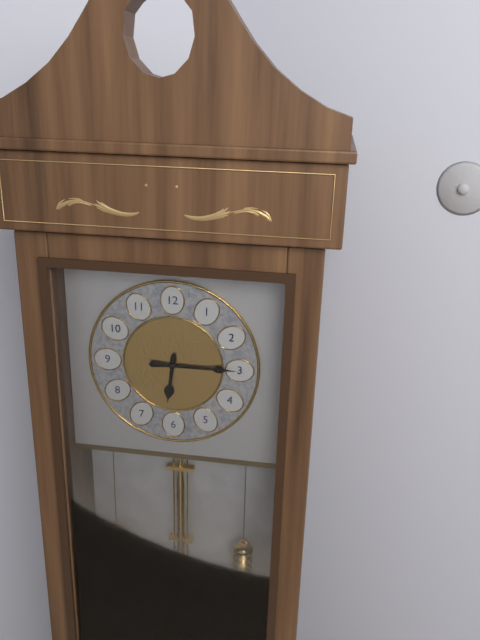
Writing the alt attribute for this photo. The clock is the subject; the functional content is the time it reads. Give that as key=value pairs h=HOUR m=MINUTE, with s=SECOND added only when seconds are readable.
h=6 m=15
